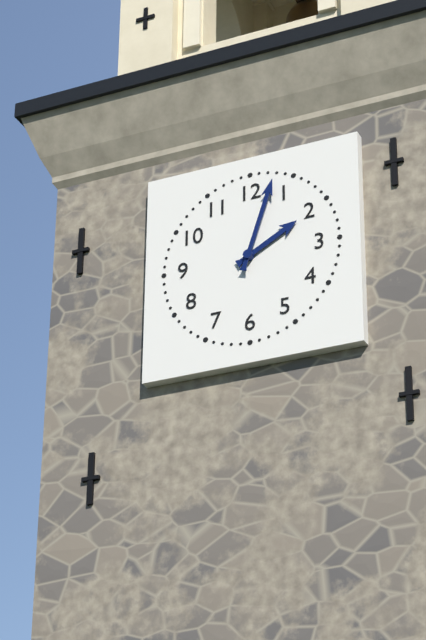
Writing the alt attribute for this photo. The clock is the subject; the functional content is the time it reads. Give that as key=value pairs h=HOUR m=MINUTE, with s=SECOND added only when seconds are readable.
h=2 m=3
